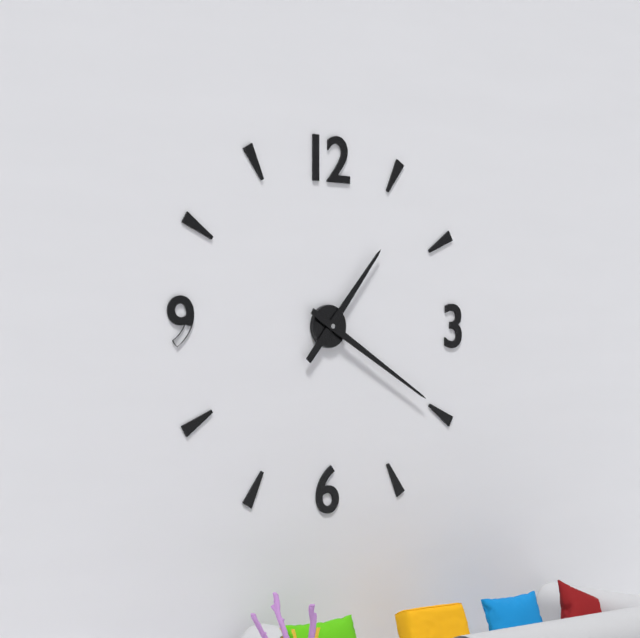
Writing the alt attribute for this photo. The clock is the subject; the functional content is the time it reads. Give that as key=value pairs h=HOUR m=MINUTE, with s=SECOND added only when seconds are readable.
h=1 m=20
